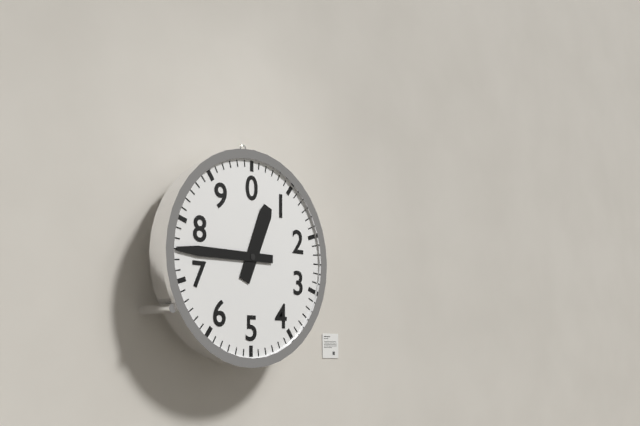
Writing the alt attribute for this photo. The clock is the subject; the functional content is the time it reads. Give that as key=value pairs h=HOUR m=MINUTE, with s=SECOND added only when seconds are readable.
h=12 m=45
